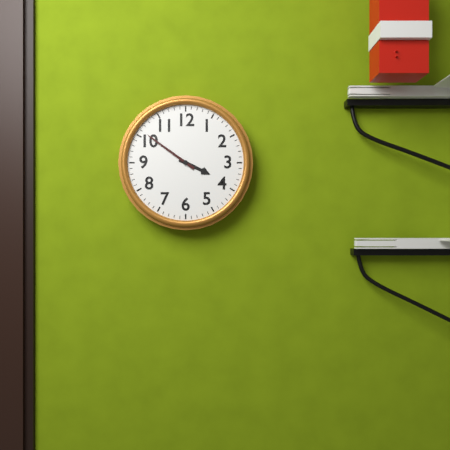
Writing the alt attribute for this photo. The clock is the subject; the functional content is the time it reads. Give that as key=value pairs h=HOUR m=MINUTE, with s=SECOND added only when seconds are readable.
h=3 m=51
